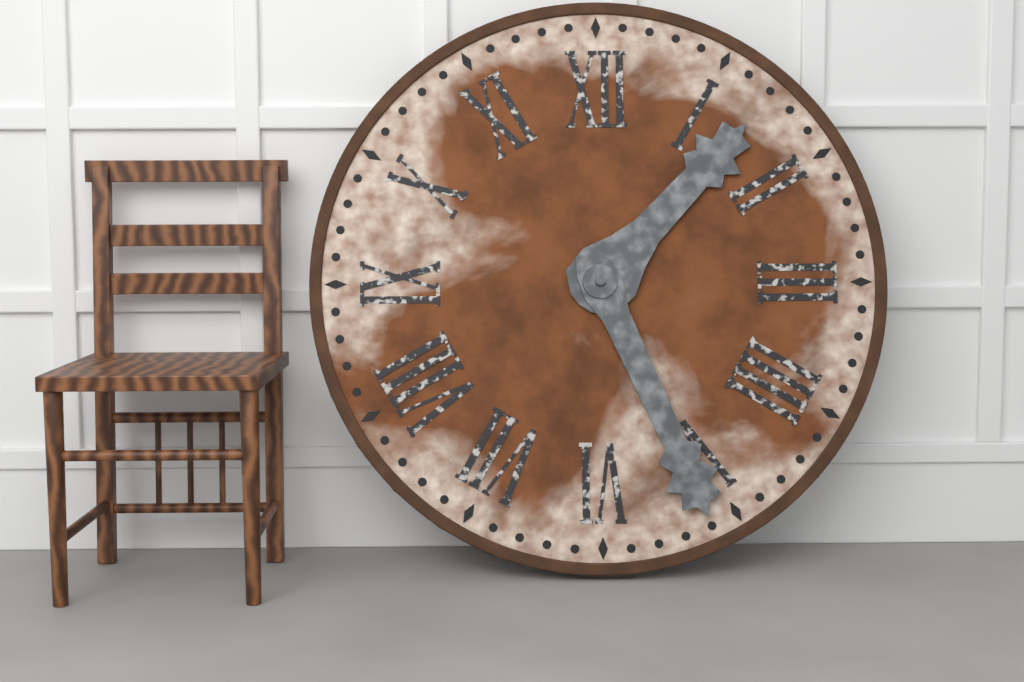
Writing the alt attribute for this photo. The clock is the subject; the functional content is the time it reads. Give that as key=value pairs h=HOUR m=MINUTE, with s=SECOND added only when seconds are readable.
h=1 m=26
